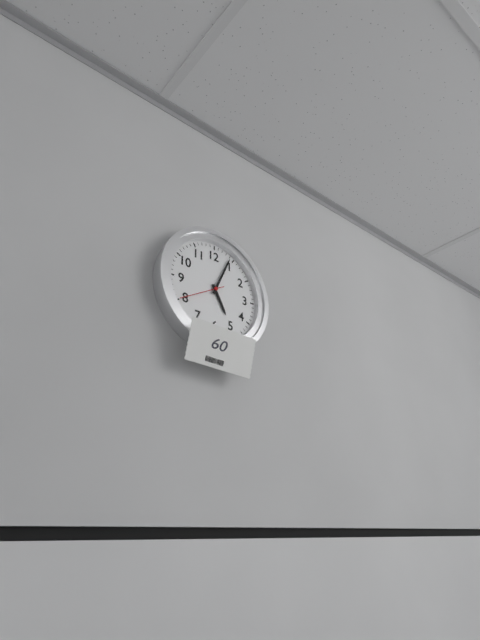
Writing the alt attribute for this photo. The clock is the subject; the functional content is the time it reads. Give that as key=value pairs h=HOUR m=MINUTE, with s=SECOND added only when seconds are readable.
h=5 m=4
